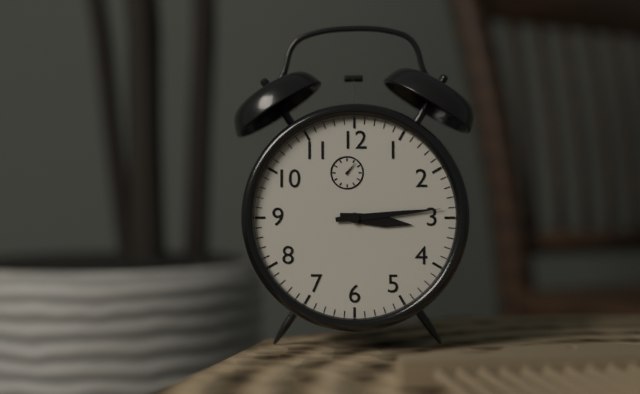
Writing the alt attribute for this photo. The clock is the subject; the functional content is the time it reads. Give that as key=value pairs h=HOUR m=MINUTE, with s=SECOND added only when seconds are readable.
h=3 m=14
